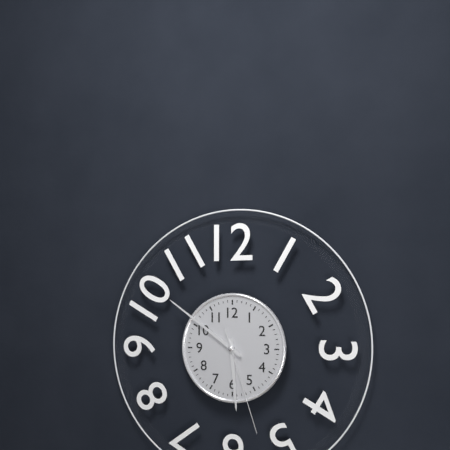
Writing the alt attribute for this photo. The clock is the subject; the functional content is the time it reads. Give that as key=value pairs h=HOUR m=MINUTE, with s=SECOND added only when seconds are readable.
h=5 m=51 s=27
